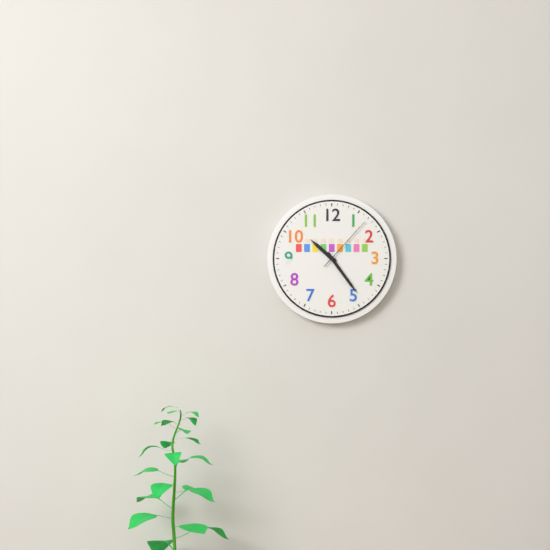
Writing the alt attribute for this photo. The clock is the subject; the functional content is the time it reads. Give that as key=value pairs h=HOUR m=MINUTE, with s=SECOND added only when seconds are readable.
h=10 m=24 s=7
